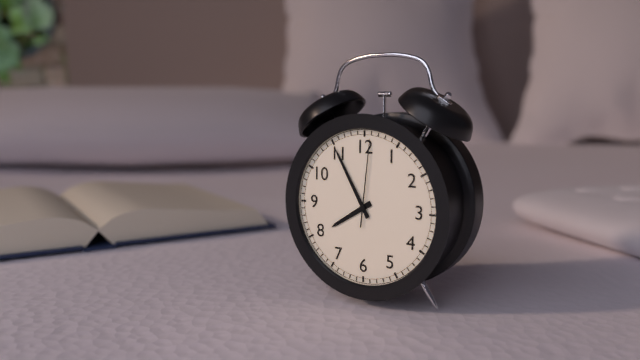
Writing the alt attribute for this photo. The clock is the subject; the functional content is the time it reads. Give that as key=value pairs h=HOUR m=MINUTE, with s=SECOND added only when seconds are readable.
h=7 m=55 s=1
